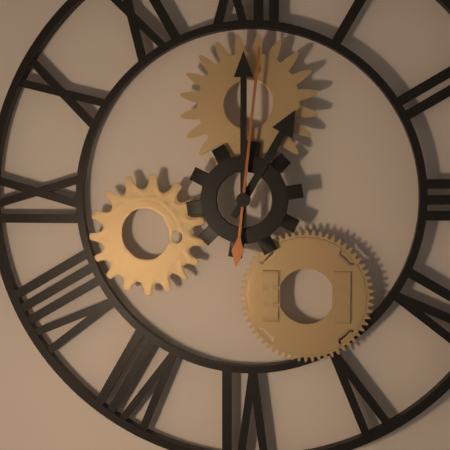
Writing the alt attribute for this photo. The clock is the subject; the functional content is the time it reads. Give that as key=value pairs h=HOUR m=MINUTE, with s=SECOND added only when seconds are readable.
h=1 m=0 s=1
